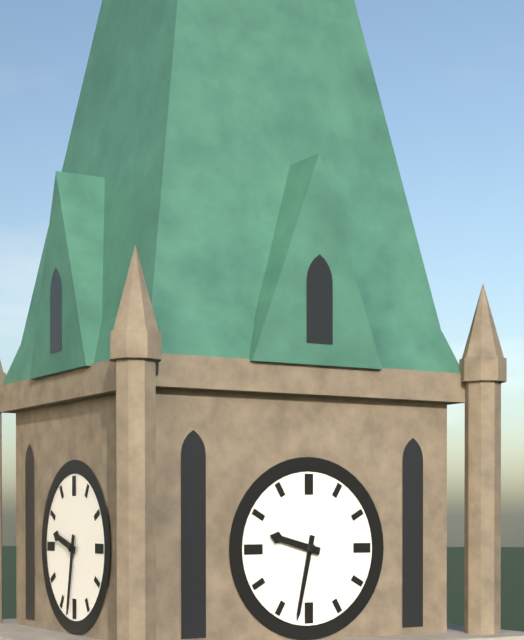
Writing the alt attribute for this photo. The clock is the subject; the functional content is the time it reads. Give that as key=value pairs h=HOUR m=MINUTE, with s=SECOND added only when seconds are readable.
h=9 m=32
